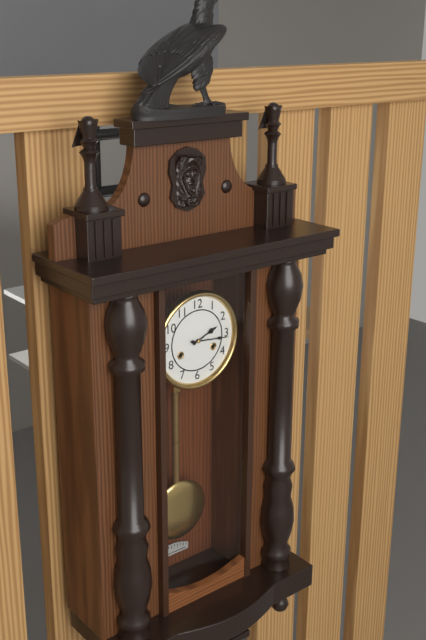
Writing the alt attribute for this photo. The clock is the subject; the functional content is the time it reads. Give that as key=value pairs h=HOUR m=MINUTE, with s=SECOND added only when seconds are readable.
h=2 m=16
